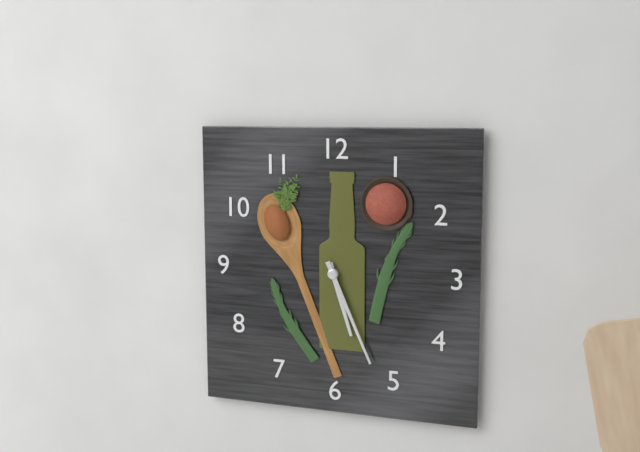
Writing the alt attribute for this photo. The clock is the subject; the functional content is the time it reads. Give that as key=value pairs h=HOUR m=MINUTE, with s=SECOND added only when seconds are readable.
h=5 m=26
